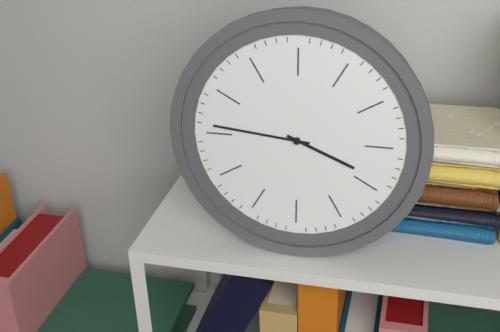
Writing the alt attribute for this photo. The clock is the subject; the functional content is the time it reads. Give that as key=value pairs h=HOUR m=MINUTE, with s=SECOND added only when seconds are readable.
h=3 m=46
